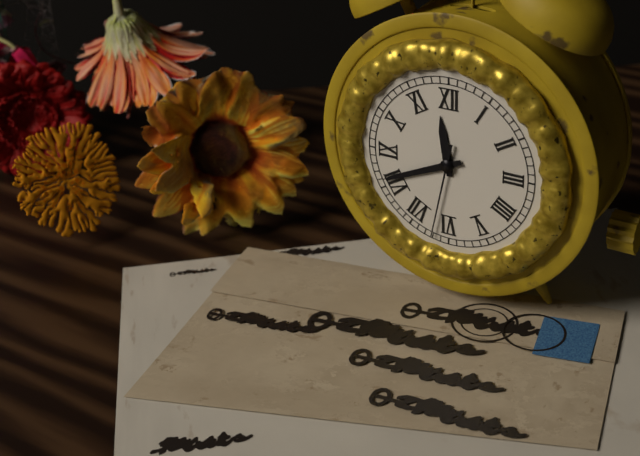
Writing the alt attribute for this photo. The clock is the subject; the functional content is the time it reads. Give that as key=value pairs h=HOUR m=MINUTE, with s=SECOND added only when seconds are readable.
h=11 m=41 s=32
